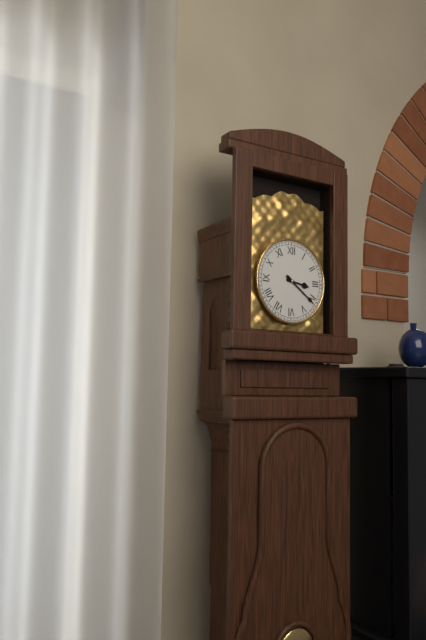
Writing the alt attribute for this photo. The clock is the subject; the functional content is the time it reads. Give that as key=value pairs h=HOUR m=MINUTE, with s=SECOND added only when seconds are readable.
h=3 m=21
